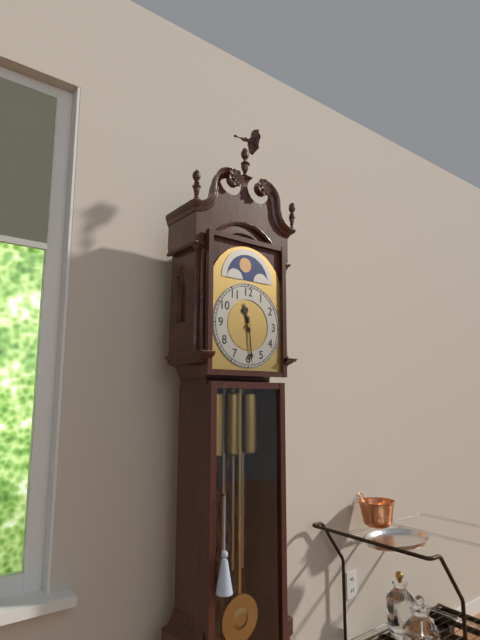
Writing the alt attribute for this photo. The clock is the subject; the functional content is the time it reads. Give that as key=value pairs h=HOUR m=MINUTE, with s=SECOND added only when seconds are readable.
h=11 m=29
